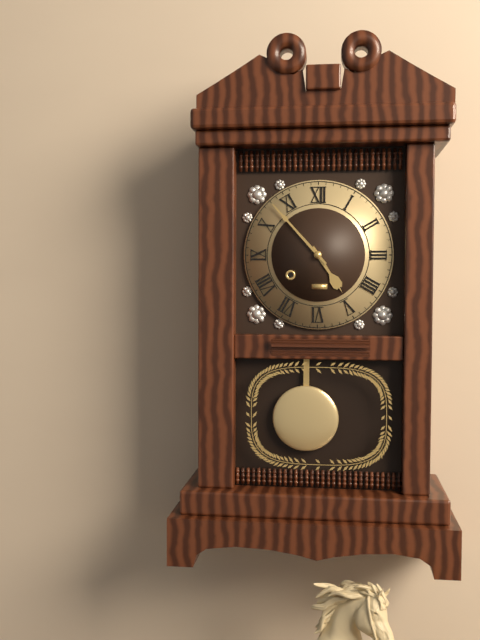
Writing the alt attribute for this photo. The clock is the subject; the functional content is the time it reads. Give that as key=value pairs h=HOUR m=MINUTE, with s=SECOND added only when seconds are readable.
h=4 m=53
